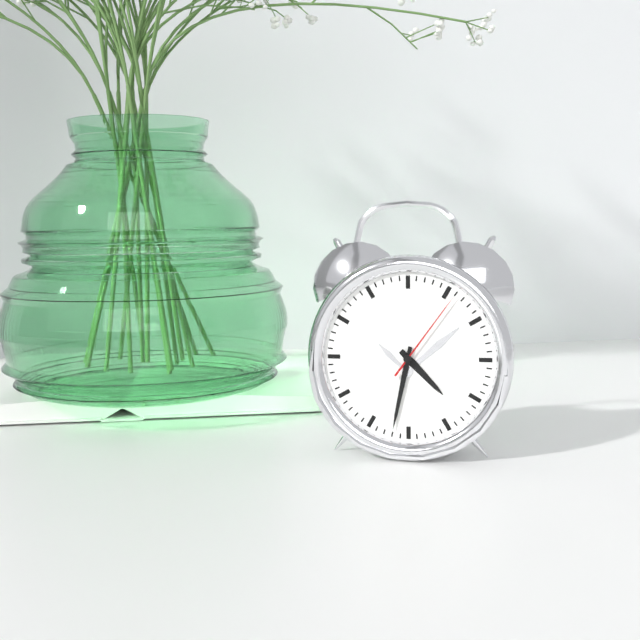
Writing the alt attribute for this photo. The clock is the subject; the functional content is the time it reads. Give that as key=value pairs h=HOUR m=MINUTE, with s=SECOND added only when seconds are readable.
h=4 m=32 s=6
